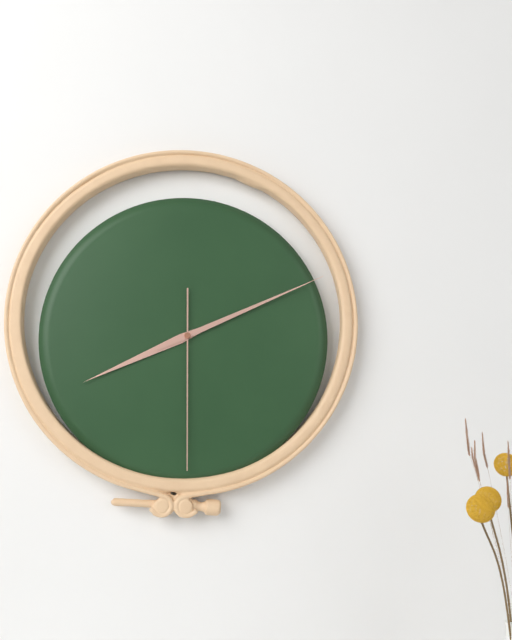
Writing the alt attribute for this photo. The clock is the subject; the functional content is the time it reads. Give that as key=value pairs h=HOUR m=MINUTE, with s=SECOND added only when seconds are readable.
h=8 m=11 s=30
